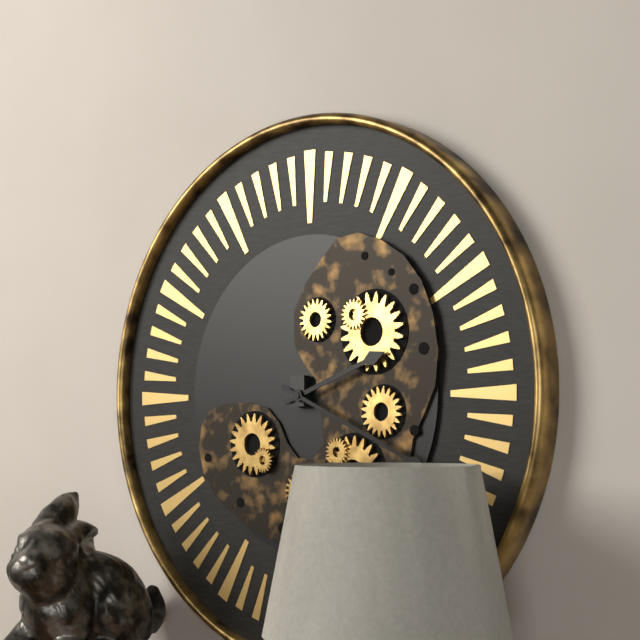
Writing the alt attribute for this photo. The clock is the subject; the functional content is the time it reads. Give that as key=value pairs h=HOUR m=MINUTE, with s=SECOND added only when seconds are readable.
h=2 m=19
